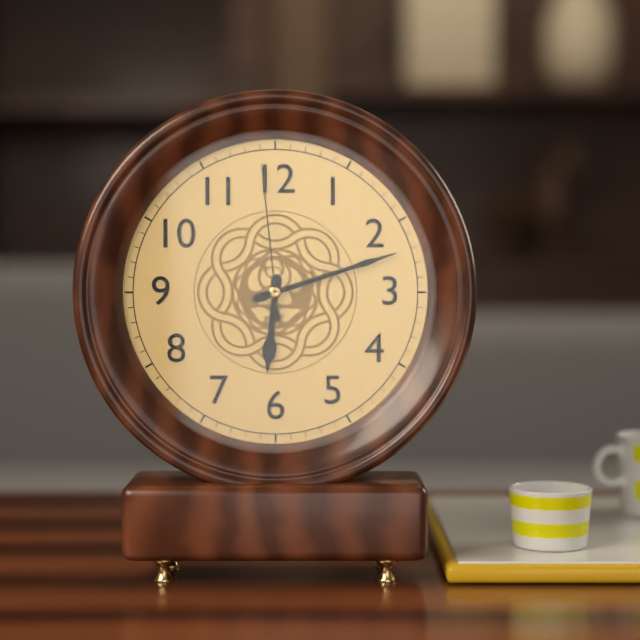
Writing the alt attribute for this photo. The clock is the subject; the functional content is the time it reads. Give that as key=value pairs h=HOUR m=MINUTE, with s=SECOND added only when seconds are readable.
h=6 m=12 s=59
